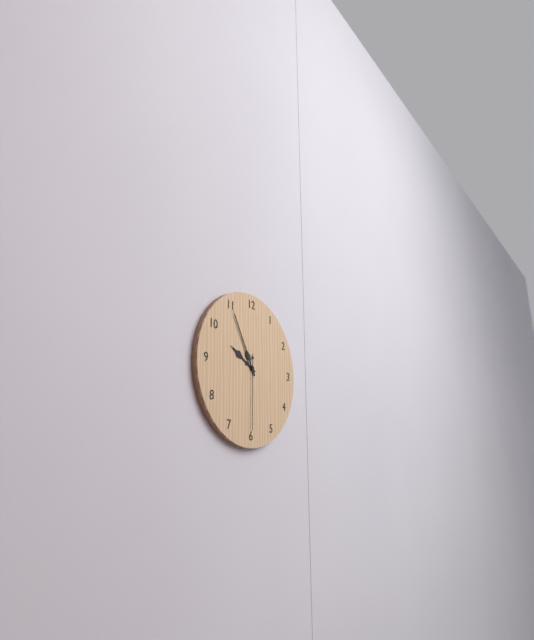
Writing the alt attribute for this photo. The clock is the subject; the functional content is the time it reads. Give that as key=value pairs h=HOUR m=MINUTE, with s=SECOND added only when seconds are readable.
h=9 m=55 s=30
